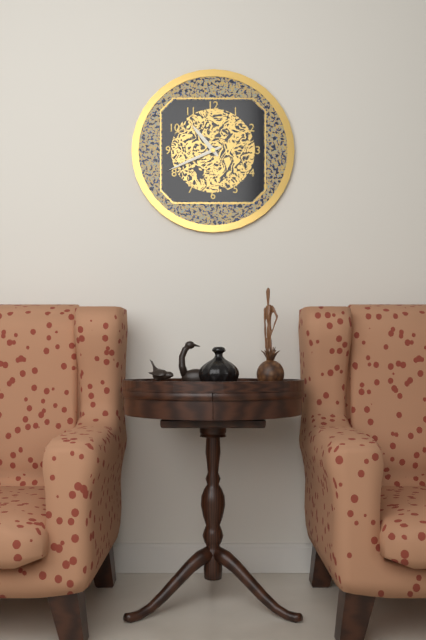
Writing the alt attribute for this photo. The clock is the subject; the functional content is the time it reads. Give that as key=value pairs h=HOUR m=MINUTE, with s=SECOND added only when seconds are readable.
h=10 m=41
